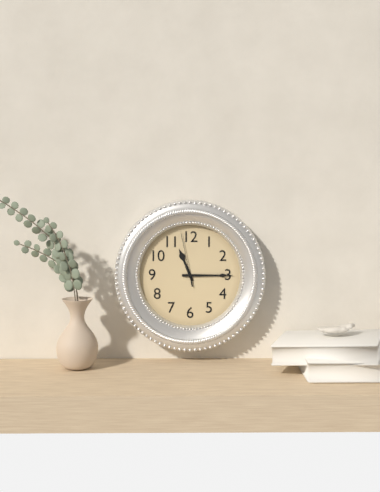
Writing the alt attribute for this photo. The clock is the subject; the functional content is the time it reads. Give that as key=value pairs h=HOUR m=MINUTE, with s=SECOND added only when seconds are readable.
h=11 m=15 s=58
